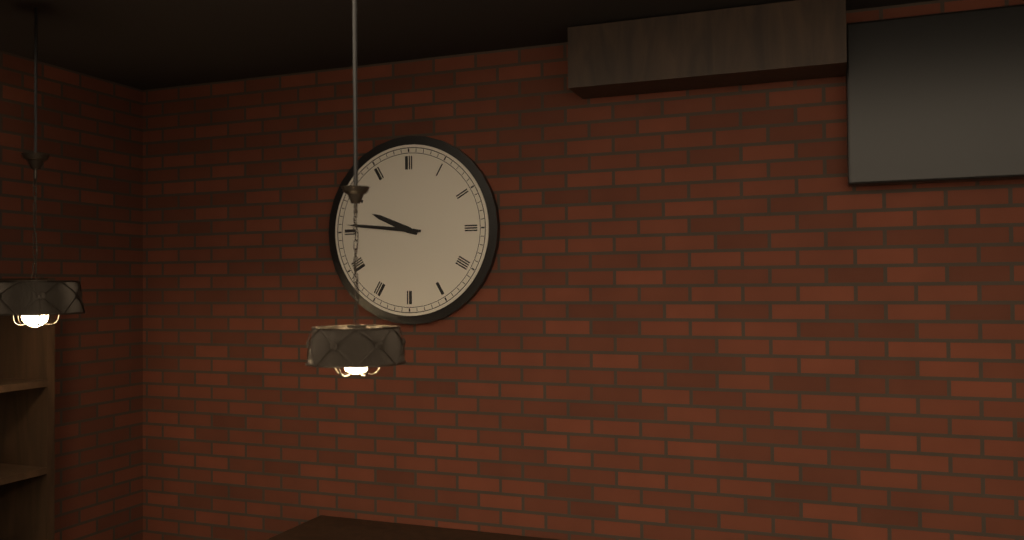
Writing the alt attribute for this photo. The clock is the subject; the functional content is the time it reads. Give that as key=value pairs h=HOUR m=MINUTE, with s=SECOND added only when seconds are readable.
h=9 m=46
